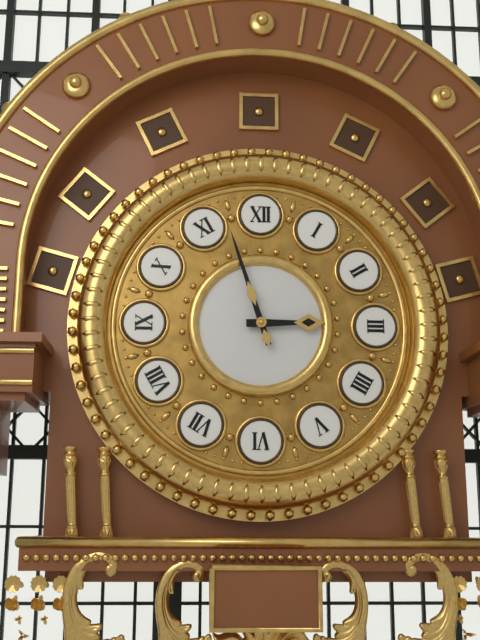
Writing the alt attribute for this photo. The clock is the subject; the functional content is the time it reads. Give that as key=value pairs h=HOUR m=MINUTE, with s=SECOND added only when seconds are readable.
h=2 m=57
